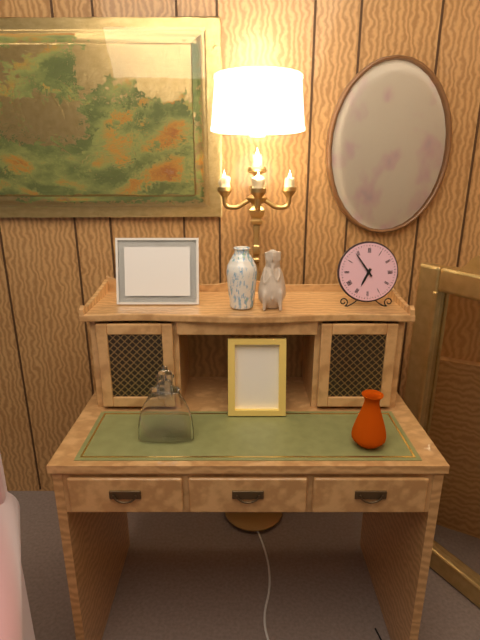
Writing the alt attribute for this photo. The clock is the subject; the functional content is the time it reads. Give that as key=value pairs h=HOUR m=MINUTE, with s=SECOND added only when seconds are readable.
h=6 m=54
